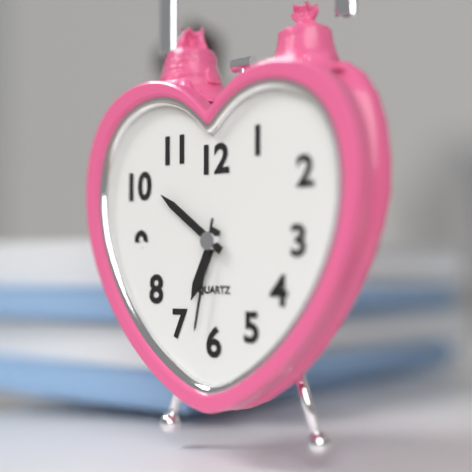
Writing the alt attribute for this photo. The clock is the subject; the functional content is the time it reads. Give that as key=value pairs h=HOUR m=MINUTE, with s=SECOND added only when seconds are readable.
h=6 m=51 s=32
